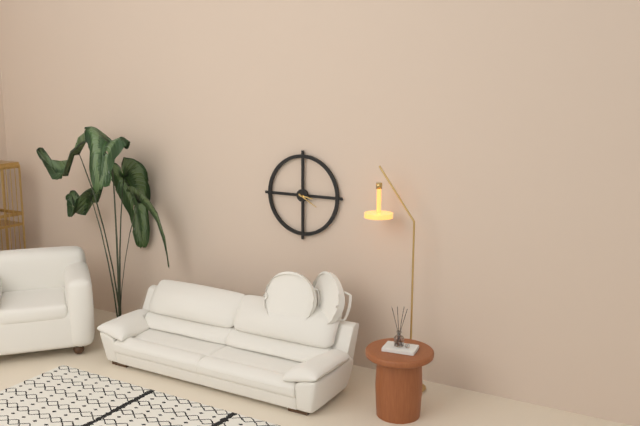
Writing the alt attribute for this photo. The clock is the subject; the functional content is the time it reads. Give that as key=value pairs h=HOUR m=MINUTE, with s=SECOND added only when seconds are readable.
h=3 m=20
